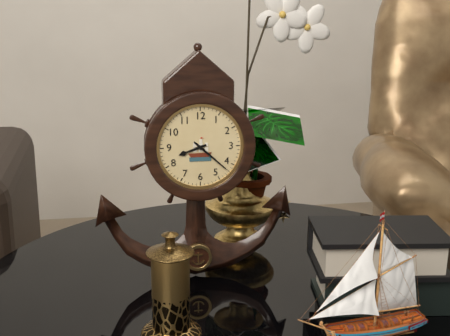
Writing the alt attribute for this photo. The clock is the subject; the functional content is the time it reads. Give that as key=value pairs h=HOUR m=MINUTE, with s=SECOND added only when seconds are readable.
h=8 m=22
